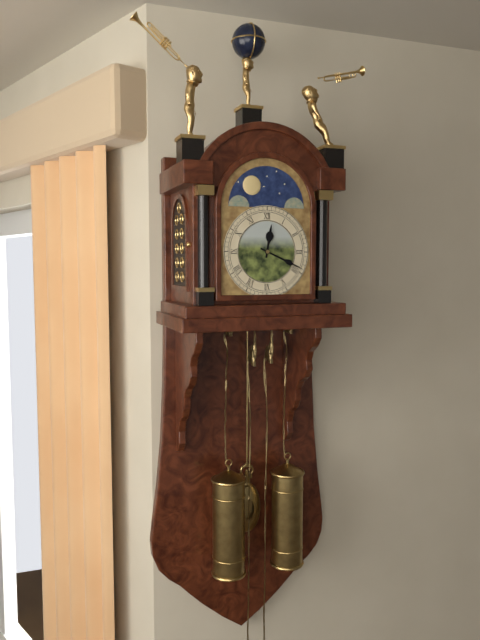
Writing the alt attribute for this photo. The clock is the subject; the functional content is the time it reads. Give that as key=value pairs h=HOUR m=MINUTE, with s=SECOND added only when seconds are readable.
h=12 m=19
